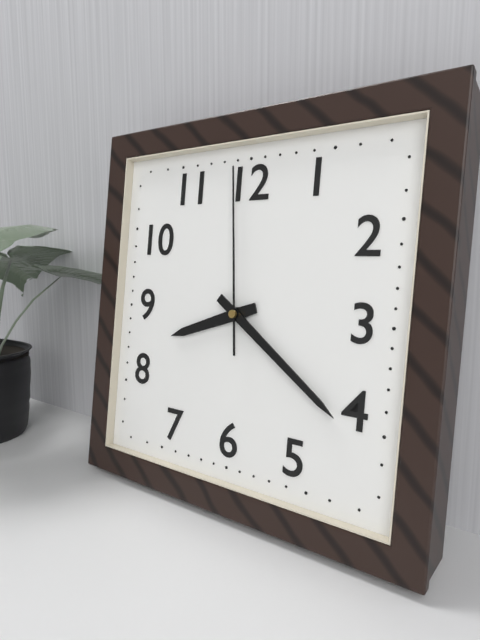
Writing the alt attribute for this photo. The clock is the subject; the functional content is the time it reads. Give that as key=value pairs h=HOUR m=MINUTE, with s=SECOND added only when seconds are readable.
h=8 m=21 s=59
